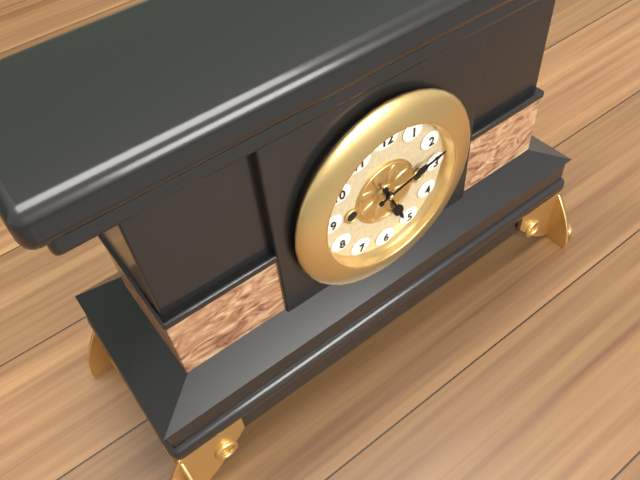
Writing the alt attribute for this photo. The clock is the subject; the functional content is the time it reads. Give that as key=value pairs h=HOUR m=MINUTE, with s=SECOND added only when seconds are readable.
h=5 m=13
